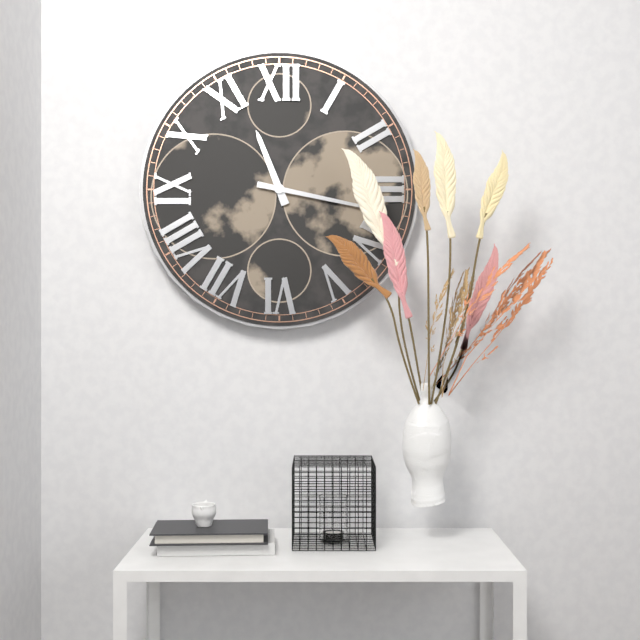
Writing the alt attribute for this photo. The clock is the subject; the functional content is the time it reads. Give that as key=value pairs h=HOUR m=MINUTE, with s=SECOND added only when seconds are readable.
h=11 m=17
